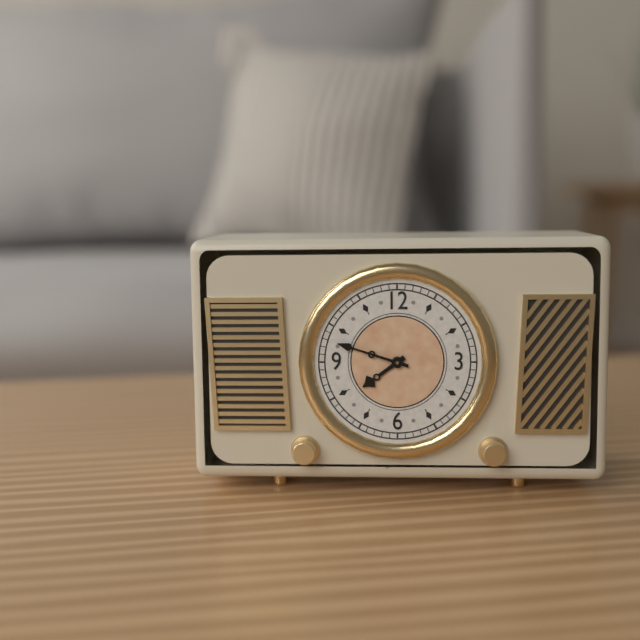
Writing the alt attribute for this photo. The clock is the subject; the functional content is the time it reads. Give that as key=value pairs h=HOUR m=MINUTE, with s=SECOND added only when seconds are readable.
h=7 m=48
